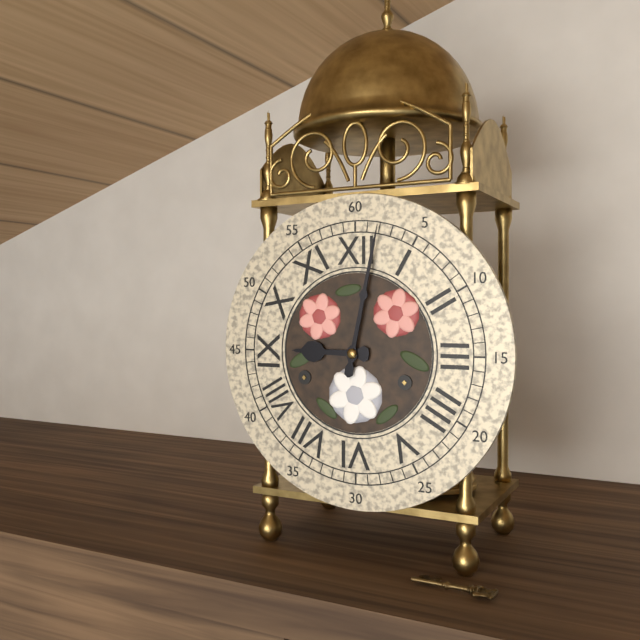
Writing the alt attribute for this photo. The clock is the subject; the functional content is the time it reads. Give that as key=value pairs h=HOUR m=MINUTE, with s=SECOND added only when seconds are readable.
h=9 m=2
